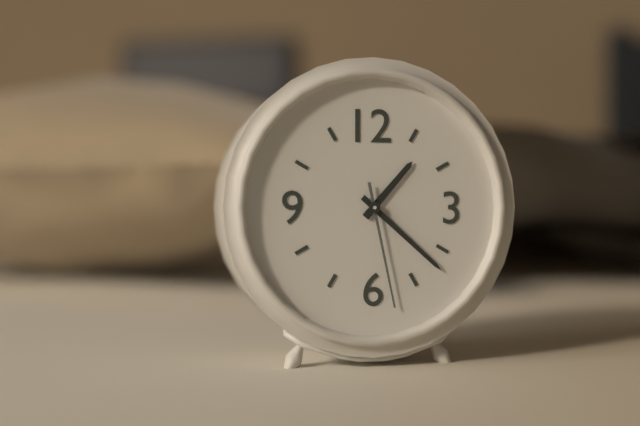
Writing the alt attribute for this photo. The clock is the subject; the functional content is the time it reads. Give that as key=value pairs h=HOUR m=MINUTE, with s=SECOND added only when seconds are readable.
h=1 m=22 s=28
